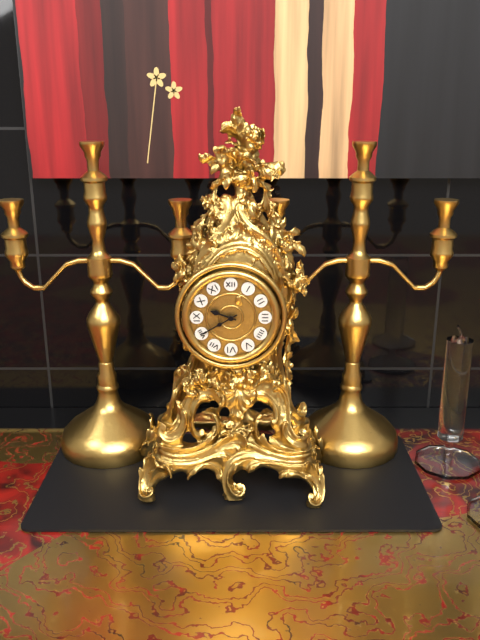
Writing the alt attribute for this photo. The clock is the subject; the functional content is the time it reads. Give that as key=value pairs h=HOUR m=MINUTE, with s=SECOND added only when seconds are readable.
h=9 m=40
